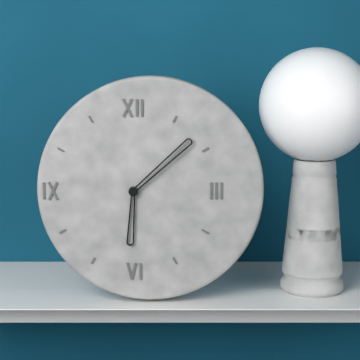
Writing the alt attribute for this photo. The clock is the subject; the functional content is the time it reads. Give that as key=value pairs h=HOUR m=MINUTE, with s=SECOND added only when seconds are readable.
h=6 m=8
